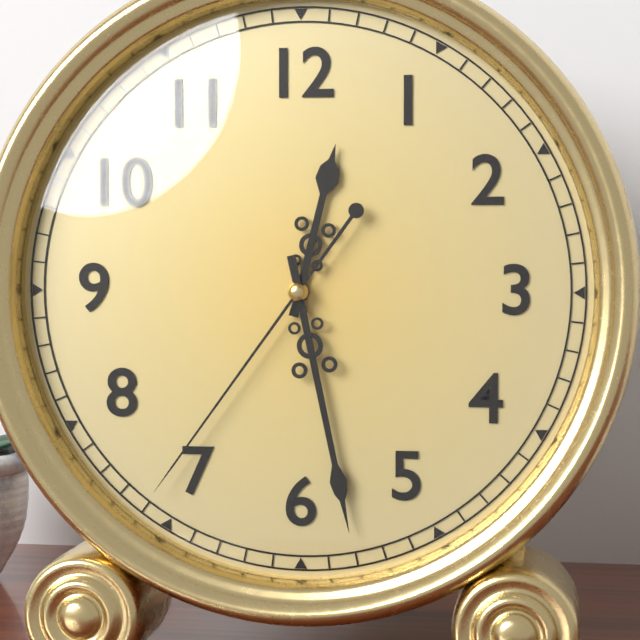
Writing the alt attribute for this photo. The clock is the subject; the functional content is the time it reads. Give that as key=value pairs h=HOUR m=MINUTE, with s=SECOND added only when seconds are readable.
h=12 m=28 s=36
